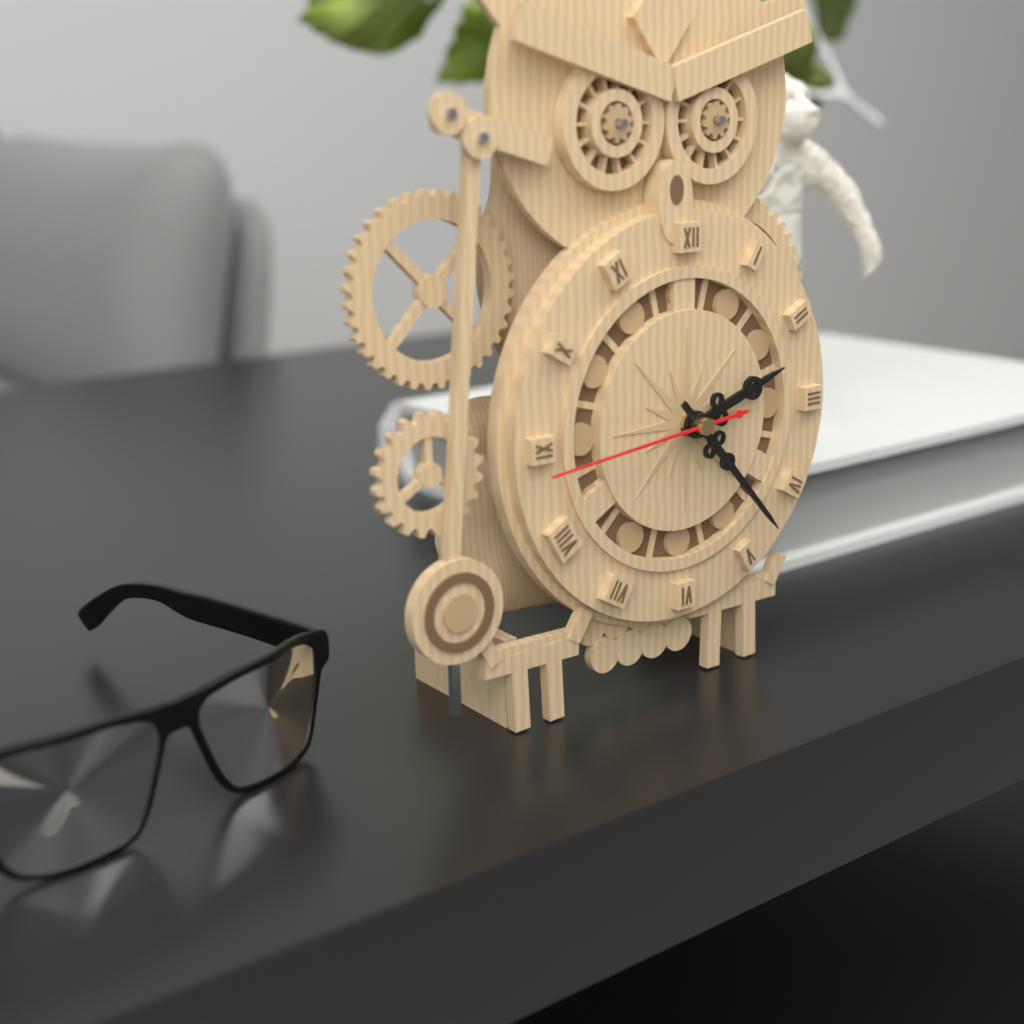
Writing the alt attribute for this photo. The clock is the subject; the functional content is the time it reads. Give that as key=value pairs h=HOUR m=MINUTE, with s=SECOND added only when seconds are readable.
h=2 m=23 s=44
